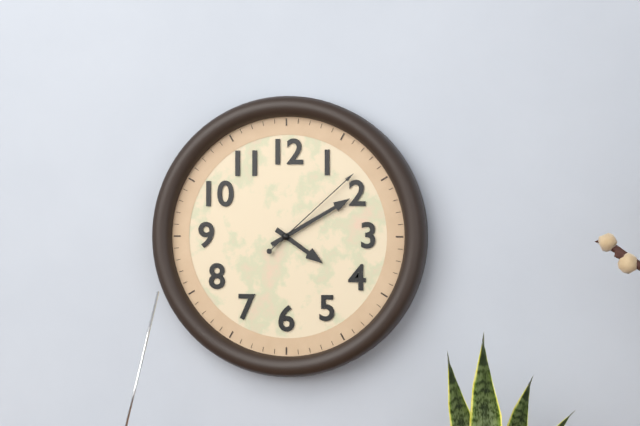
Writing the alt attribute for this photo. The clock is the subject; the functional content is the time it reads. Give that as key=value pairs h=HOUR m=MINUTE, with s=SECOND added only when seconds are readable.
h=4 m=10 s=8
